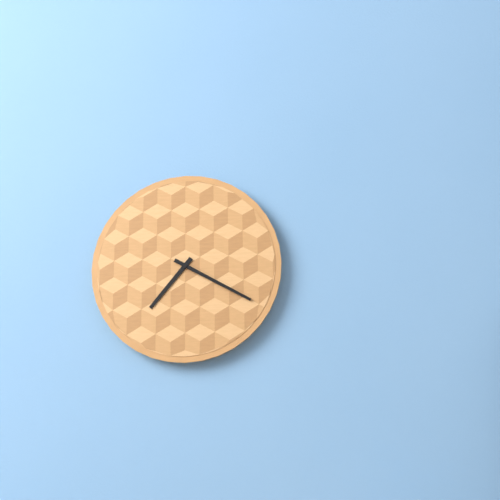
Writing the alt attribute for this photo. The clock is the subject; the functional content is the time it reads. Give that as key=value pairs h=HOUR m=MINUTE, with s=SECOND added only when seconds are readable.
h=7 m=20
